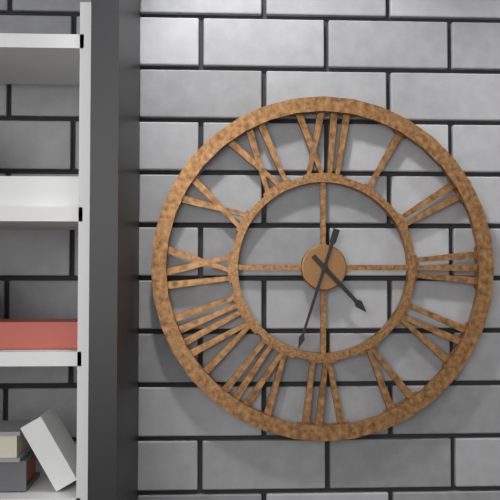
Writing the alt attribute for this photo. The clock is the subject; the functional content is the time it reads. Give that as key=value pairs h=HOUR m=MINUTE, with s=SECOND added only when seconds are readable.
h=4 m=33
